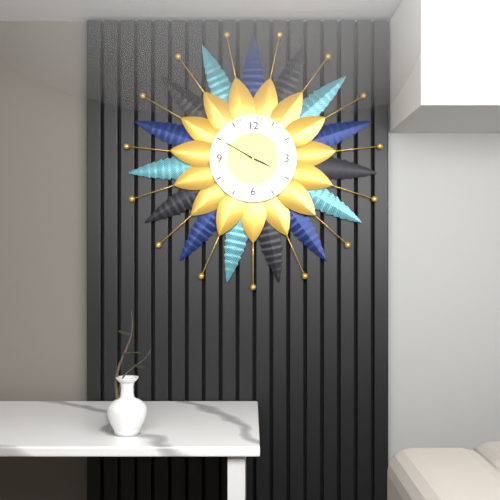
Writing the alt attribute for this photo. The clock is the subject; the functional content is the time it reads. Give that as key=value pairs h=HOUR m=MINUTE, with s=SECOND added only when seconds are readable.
h=3 m=50
